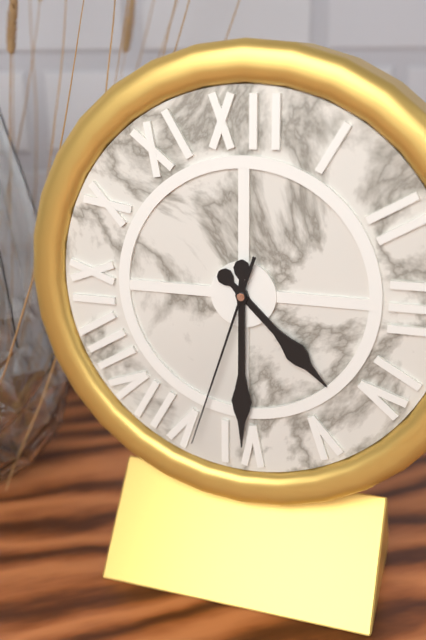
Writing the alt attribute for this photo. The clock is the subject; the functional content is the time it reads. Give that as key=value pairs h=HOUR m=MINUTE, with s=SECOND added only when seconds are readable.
h=4 m=30 s=33
